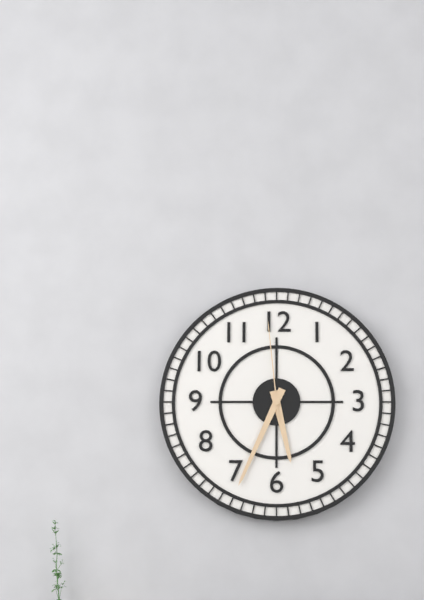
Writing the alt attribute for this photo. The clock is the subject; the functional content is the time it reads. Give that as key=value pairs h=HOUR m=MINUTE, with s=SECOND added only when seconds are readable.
h=5 m=34 s=59
